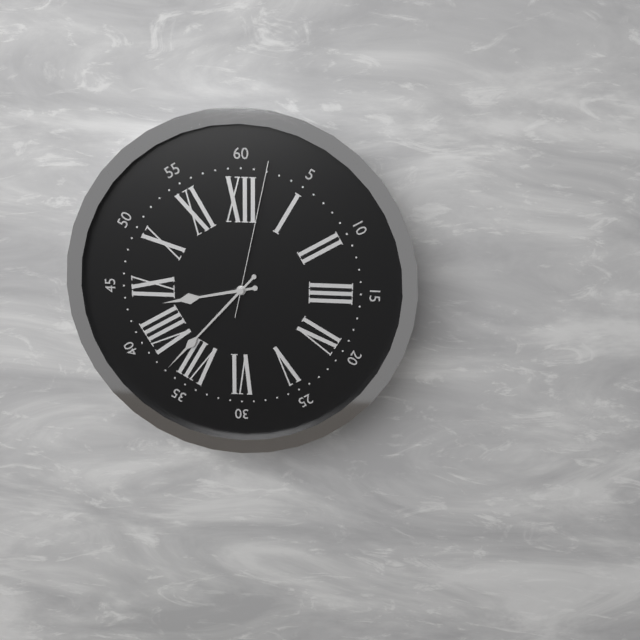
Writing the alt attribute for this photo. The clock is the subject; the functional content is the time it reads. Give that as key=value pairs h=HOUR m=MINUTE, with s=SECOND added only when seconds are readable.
h=8 m=37 s=2
